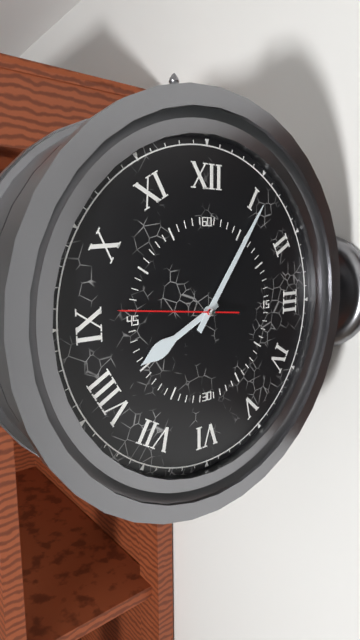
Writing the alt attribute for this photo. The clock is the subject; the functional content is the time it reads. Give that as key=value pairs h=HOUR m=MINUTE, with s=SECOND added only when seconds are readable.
h=8 m=6 s=46
